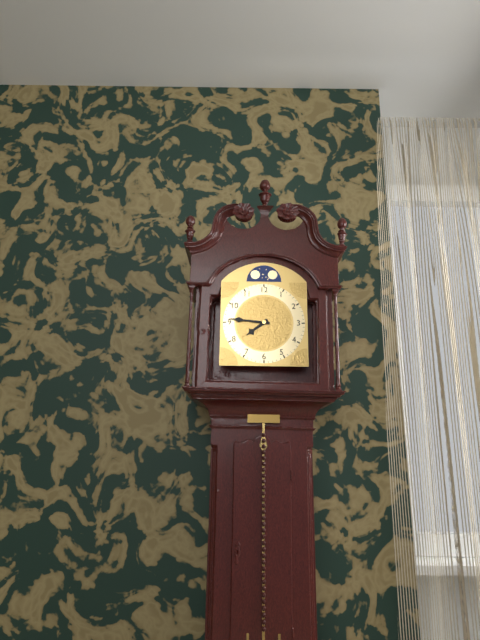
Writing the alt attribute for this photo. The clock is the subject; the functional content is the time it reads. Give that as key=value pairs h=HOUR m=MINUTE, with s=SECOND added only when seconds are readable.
h=7 m=46
